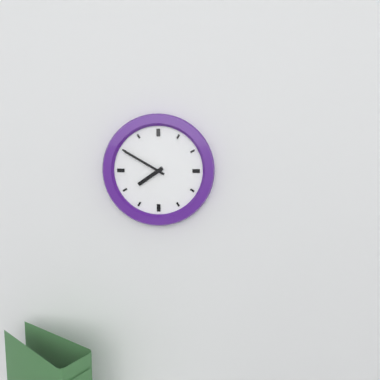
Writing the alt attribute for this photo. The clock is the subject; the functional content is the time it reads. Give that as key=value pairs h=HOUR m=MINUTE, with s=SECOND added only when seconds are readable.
h=7 m=50
